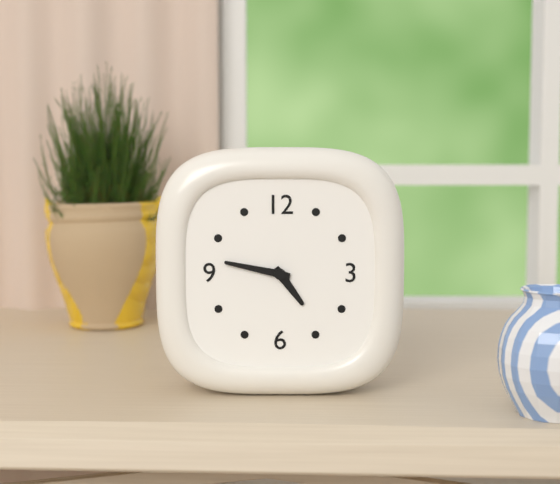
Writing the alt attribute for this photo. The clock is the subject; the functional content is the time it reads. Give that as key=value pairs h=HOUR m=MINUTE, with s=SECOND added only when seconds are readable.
h=4 m=47
